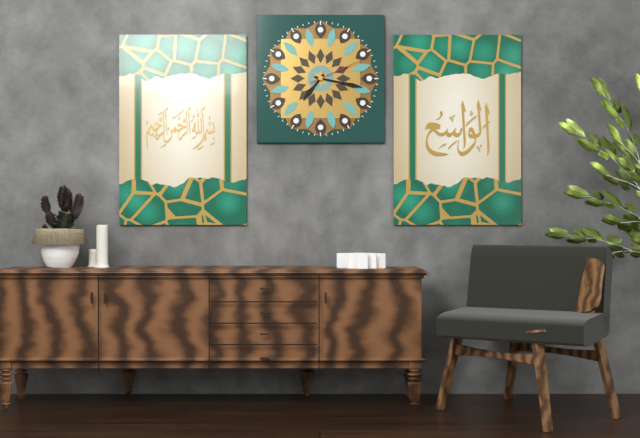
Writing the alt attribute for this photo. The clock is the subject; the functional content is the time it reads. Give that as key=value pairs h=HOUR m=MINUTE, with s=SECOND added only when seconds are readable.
h=7 m=17 s=11
